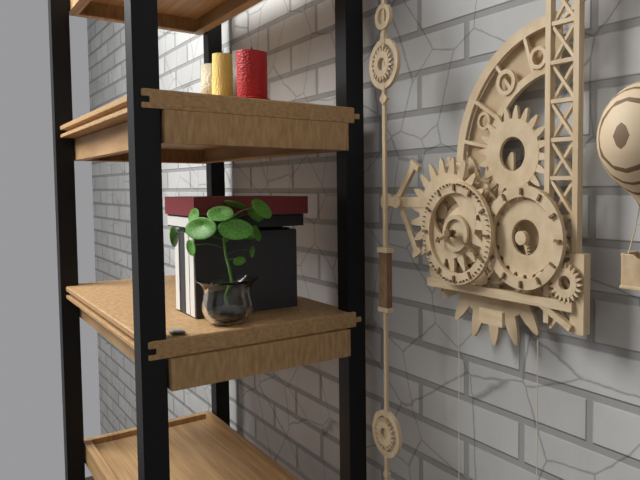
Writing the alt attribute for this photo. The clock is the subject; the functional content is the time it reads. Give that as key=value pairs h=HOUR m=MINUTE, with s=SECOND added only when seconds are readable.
h=8 m=19
